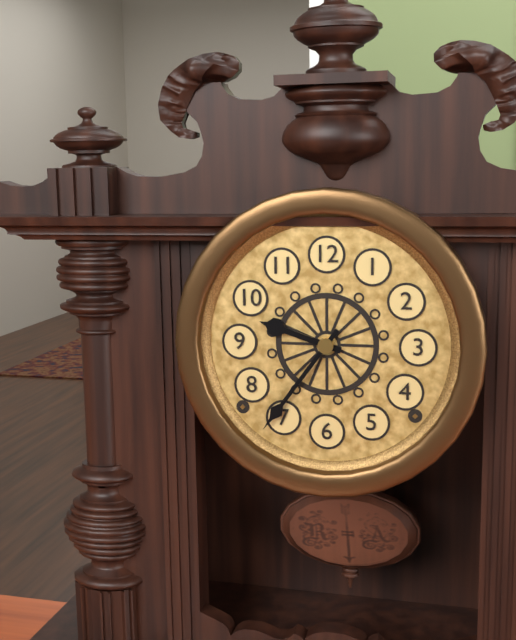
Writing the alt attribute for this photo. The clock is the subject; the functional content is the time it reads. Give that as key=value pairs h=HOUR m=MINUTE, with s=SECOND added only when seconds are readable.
h=9 m=36
